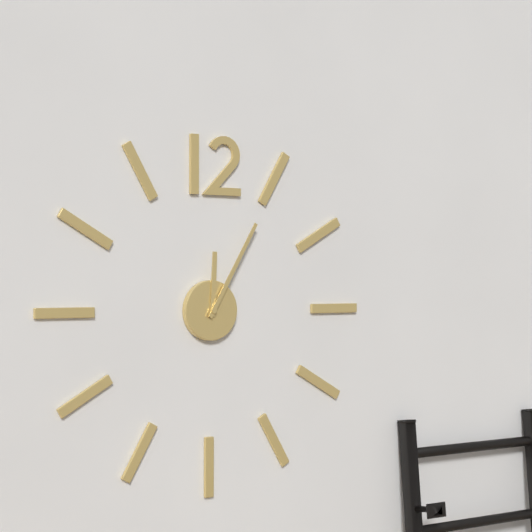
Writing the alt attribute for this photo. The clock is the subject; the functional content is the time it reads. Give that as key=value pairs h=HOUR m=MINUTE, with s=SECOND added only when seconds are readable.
h=12 m=5
